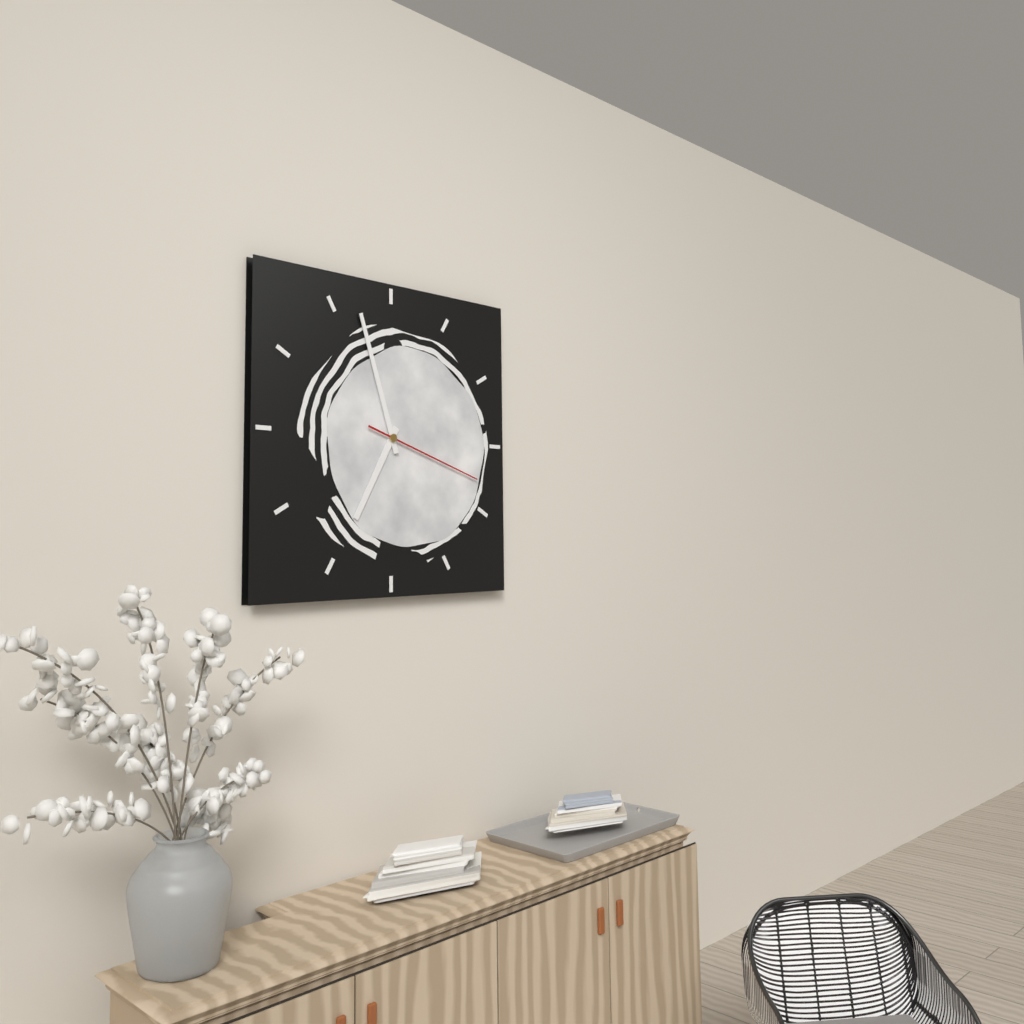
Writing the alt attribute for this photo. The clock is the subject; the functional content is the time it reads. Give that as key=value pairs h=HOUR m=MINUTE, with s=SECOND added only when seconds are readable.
h=6 m=57 s=18
